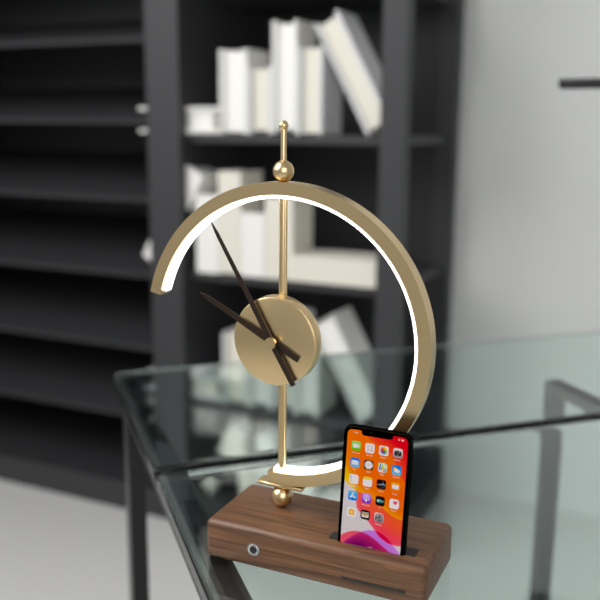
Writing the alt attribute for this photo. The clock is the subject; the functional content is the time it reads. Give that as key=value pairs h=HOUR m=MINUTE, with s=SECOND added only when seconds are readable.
h=9 m=55
